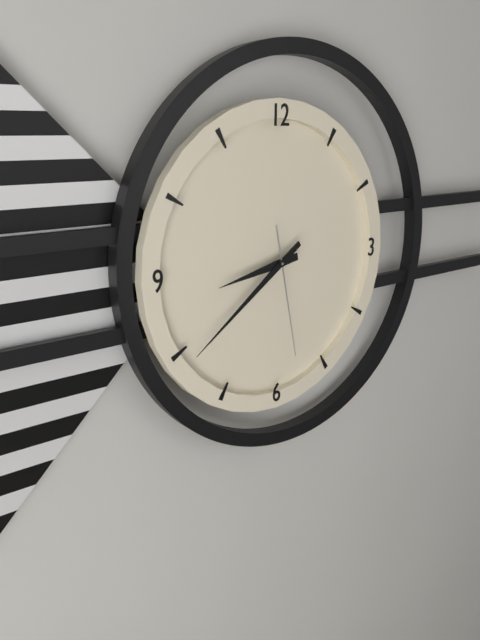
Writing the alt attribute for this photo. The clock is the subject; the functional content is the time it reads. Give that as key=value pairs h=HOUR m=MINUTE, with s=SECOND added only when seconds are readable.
h=8 m=39 s=28
